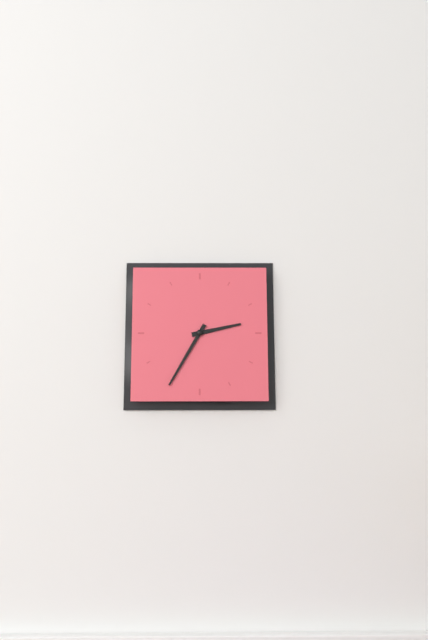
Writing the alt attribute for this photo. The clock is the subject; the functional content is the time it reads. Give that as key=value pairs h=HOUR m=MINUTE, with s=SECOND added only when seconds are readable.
h=2 m=35
